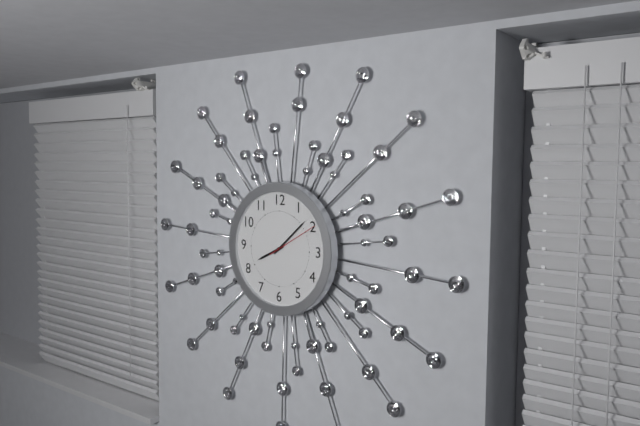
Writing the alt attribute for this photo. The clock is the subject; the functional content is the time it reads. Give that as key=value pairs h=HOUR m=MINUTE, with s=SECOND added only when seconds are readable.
h=8 m=8 s=10
